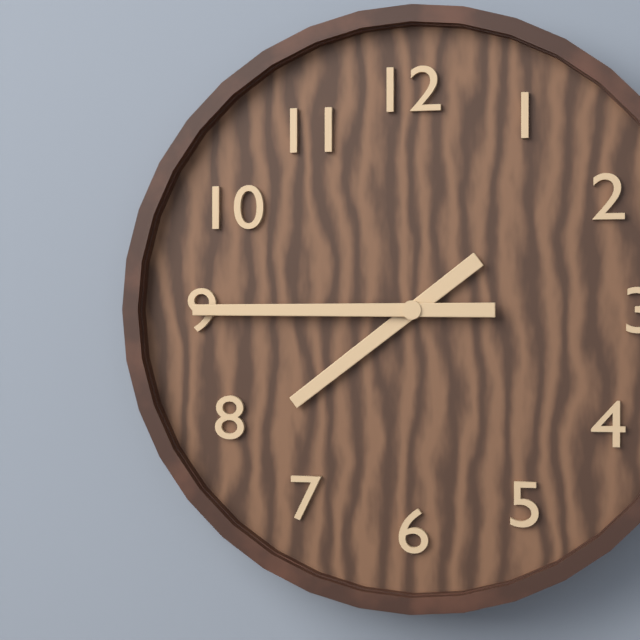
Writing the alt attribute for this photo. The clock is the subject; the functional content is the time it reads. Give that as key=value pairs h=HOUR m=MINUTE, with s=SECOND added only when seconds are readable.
h=7 m=45
